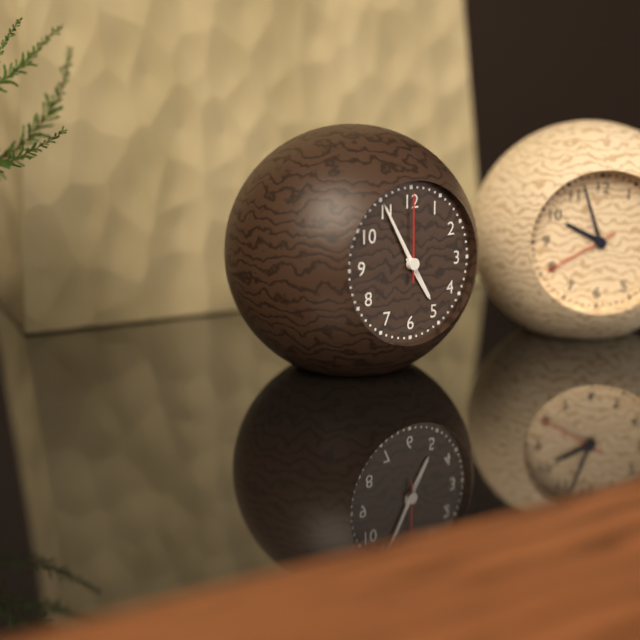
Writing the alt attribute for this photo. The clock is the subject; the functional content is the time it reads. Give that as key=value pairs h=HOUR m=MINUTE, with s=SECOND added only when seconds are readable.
h=4 m=55 s=0
